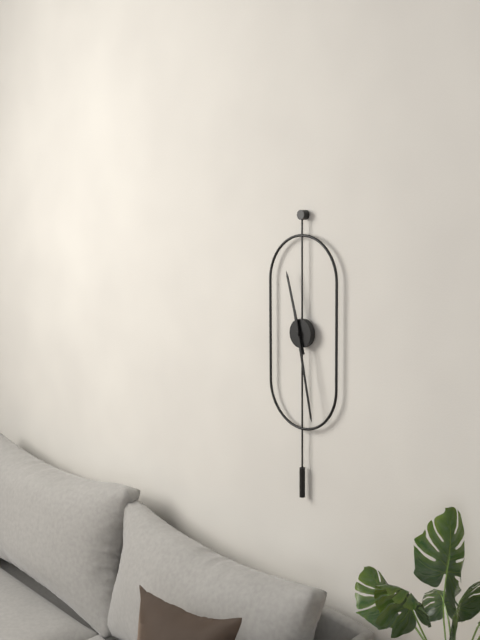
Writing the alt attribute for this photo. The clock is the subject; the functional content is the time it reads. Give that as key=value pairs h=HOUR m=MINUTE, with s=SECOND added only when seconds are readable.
h=11 m=28
